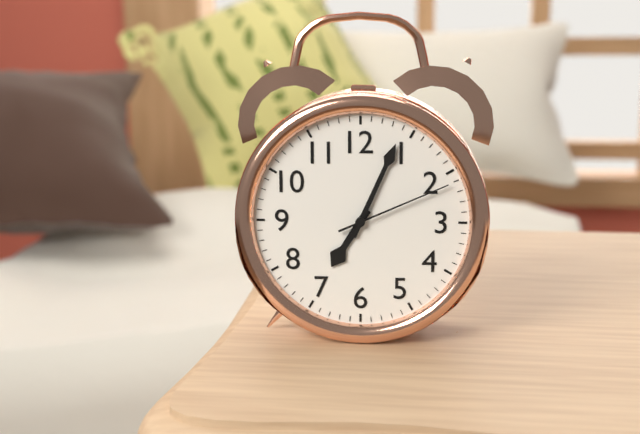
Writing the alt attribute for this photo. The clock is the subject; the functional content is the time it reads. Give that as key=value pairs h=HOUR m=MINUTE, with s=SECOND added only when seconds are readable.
h=7 m=4 s=11
